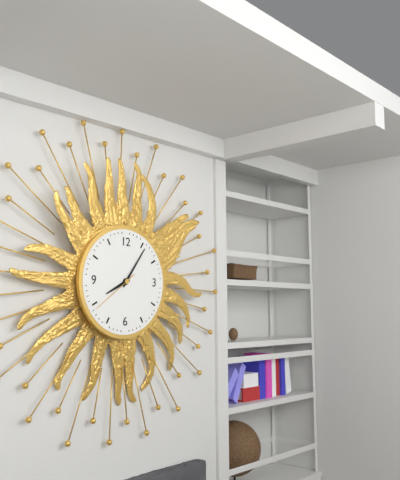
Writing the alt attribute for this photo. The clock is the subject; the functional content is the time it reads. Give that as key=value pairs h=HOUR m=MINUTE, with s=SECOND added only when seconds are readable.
h=8 m=6 s=39
